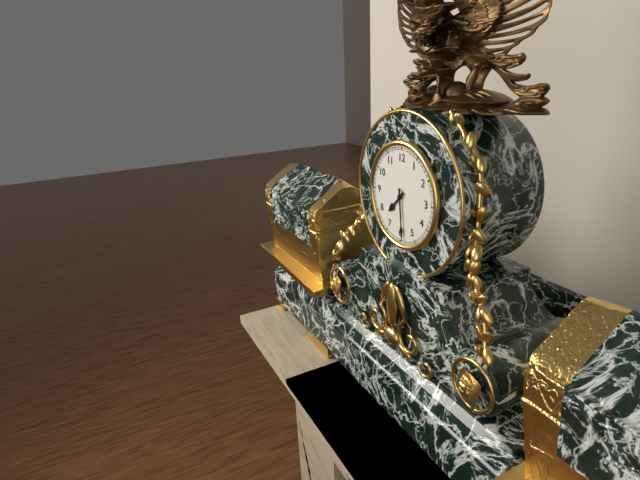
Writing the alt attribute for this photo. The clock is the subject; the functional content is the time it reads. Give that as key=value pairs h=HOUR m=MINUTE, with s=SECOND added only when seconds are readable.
h=7 m=29
